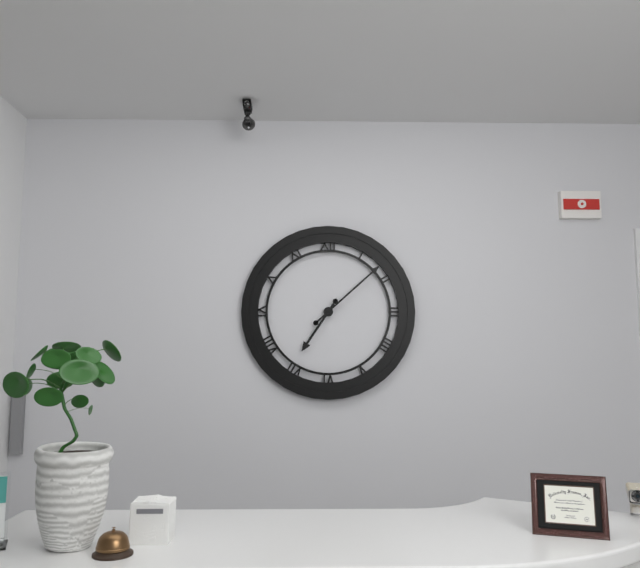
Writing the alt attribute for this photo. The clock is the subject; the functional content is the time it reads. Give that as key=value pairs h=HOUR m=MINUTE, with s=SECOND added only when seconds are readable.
h=7 m=8
